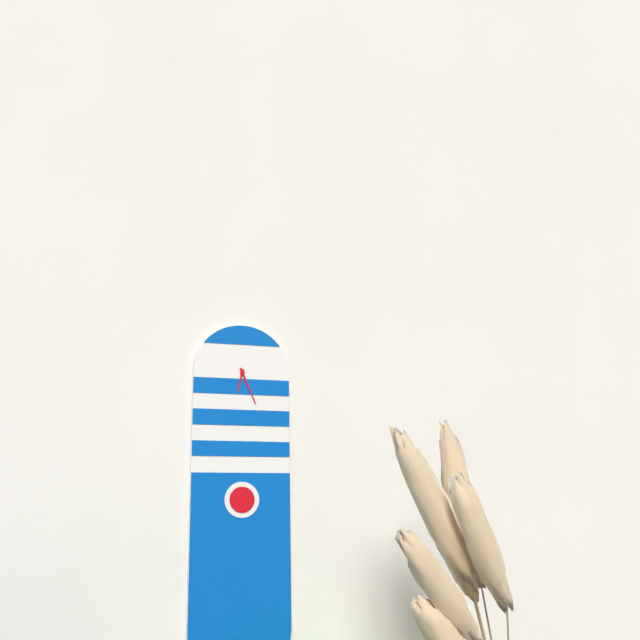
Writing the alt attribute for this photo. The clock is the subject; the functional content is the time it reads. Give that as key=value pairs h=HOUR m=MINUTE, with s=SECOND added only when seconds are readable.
h=6 m=26
